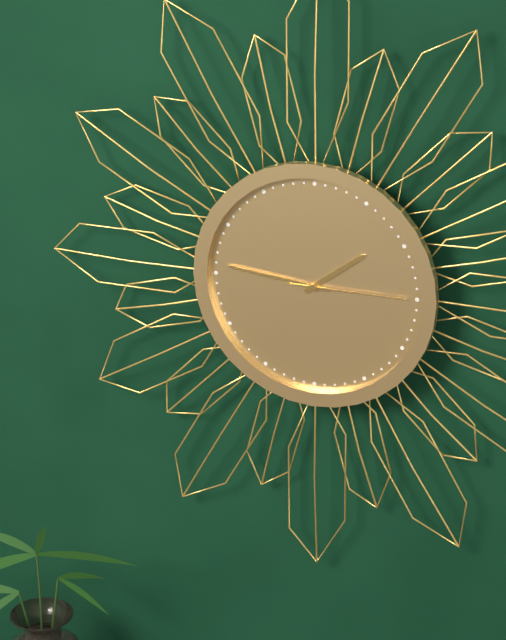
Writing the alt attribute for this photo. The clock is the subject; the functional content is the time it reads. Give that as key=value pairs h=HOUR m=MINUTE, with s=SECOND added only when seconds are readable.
h=1 m=46 s=15
